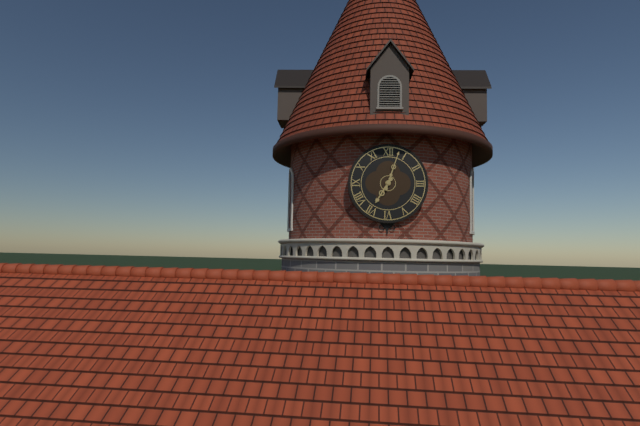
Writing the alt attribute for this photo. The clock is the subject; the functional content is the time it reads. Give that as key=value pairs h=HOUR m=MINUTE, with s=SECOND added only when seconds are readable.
h=7 m=3
